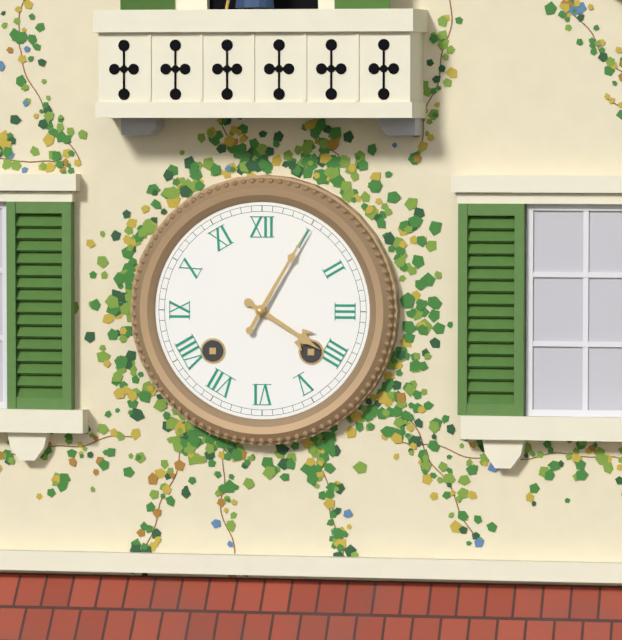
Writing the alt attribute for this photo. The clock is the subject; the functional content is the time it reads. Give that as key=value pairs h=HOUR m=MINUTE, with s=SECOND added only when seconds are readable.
h=4 m=5
